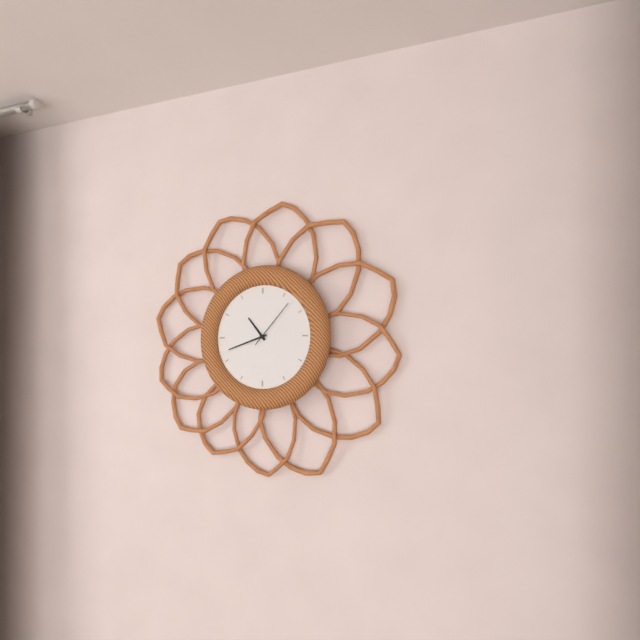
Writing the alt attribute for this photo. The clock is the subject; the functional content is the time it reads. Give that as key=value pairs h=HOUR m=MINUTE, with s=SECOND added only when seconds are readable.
h=10 m=42
